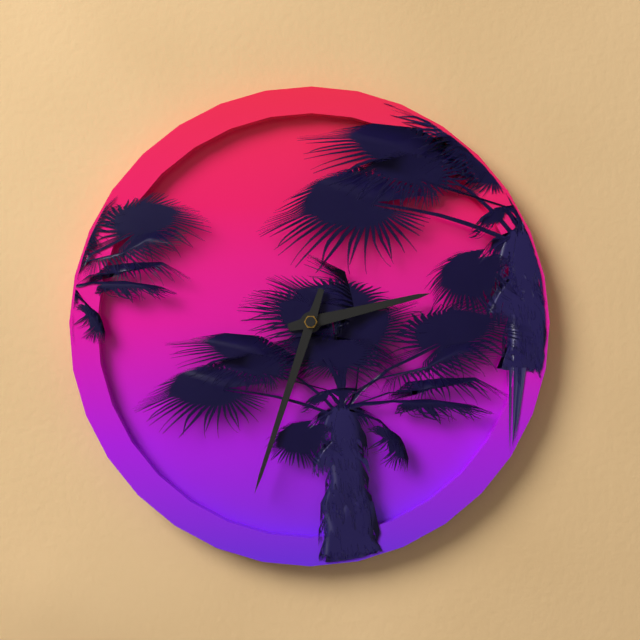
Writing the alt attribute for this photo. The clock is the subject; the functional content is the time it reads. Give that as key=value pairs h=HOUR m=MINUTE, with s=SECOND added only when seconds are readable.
h=2 m=33
